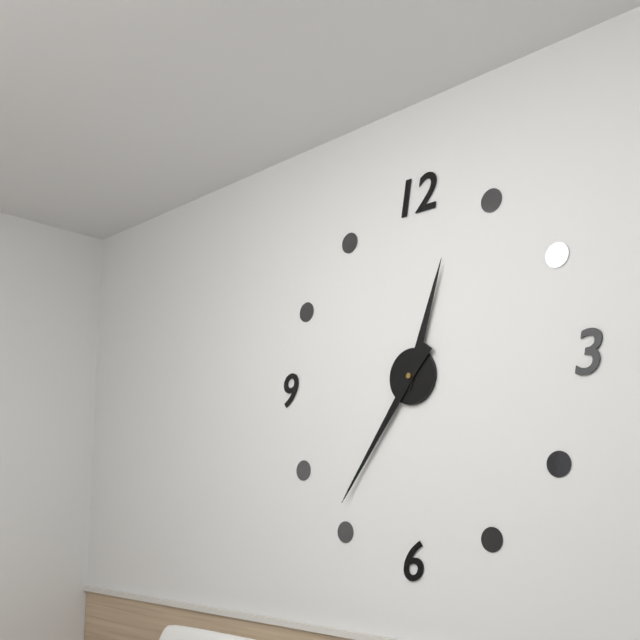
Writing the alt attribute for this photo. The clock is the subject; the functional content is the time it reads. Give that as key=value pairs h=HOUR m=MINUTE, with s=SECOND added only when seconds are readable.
h=12 m=36
